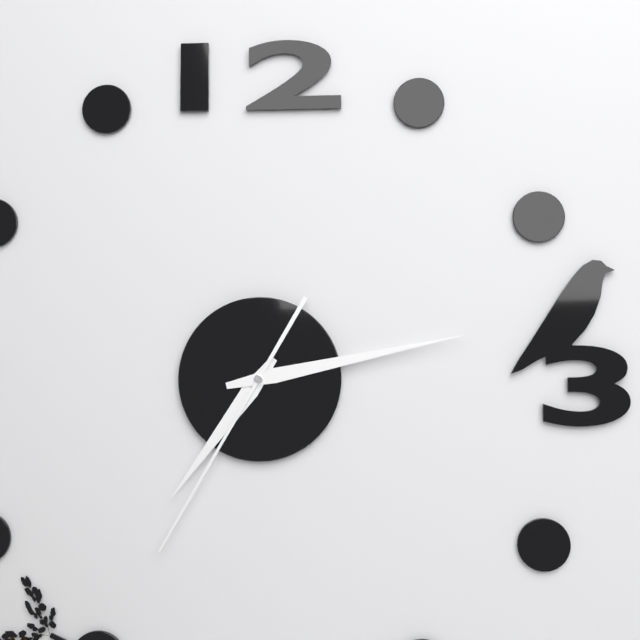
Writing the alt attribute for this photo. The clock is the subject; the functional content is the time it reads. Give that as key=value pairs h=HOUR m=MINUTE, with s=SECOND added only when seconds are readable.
h=7 m=13 s=35
